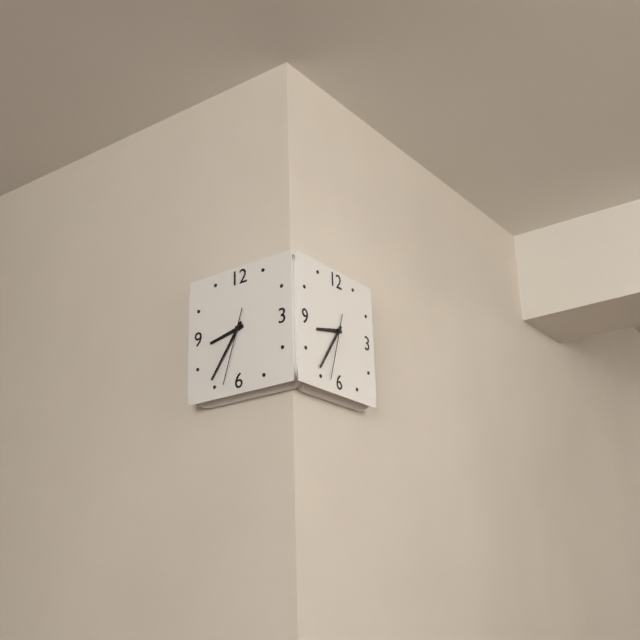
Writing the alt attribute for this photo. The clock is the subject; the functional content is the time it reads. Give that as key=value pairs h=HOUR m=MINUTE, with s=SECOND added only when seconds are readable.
h=8 m=36 s=33
